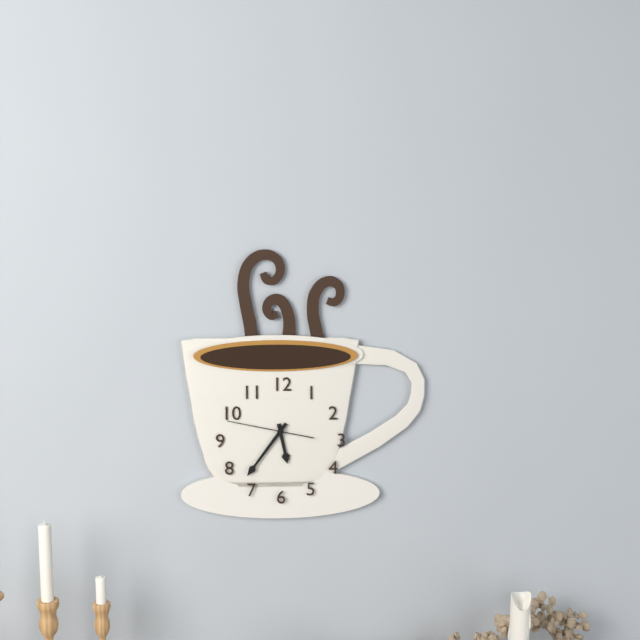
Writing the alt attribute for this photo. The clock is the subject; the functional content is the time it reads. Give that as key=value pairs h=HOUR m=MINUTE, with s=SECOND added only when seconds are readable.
h=5 m=36 s=47
